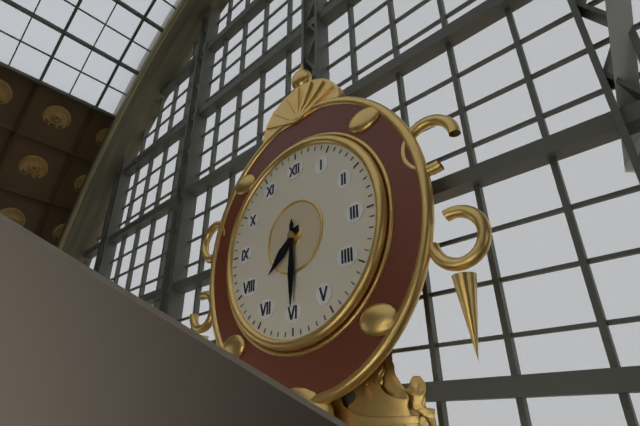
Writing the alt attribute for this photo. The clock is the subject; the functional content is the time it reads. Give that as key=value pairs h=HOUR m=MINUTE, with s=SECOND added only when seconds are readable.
h=7 m=30
